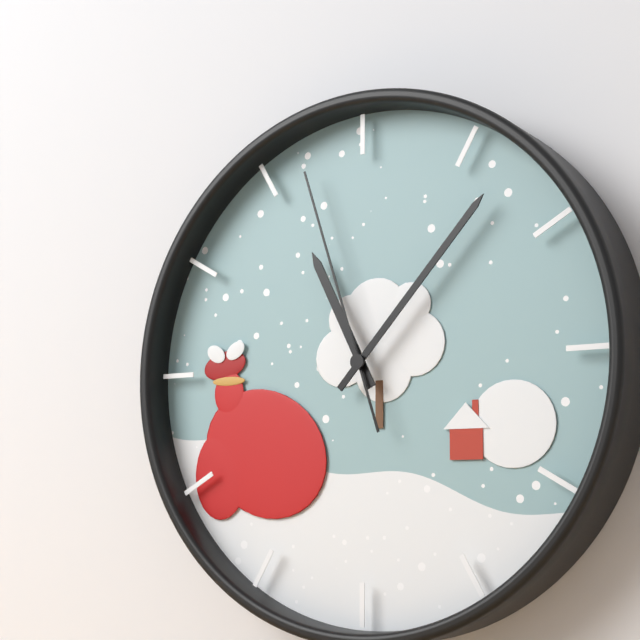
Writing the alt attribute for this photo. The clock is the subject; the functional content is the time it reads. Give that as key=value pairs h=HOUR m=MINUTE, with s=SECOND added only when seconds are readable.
h=11 m=7 s=57
